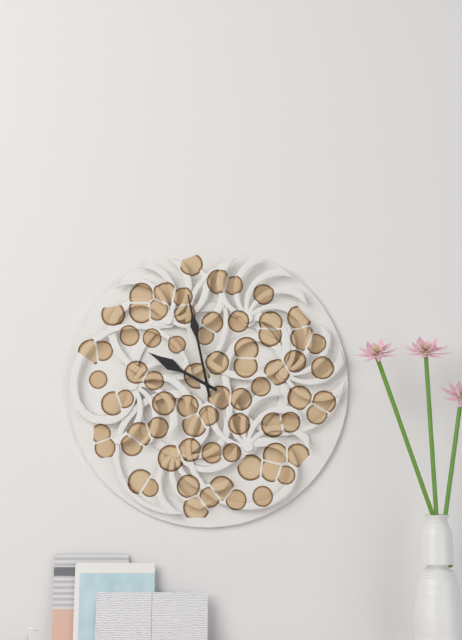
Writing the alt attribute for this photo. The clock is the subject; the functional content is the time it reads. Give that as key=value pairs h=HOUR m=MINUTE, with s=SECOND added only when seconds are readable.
h=9 m=58
